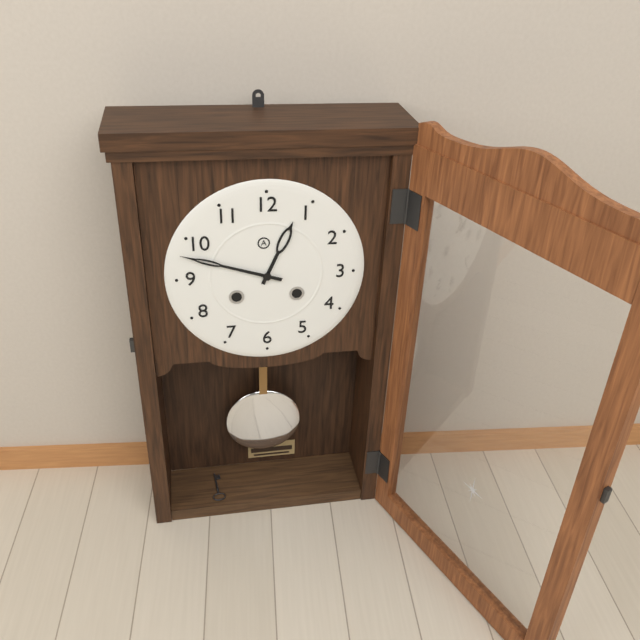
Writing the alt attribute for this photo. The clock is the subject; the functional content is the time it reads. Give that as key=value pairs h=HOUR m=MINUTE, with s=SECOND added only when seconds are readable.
h=12 m=48
